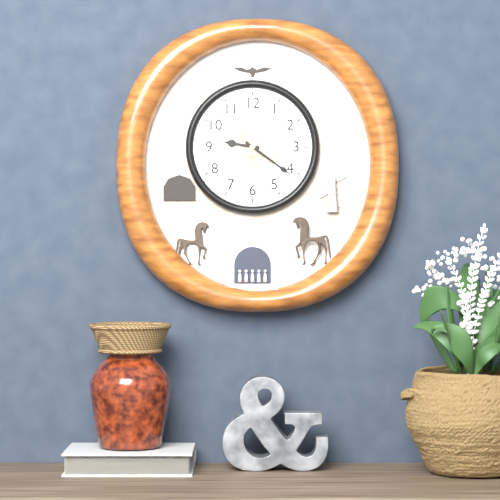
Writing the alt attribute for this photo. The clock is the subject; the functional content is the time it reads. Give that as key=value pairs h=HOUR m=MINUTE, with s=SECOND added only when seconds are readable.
h=9 m=21
